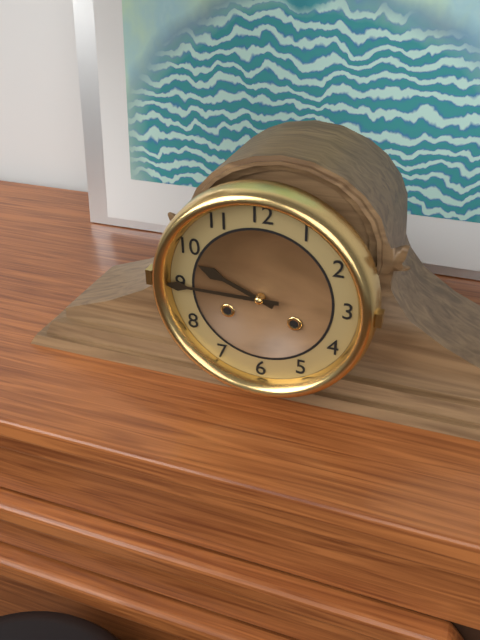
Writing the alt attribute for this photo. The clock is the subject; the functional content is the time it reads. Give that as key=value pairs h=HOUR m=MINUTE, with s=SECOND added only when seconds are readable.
h=9 m=45
